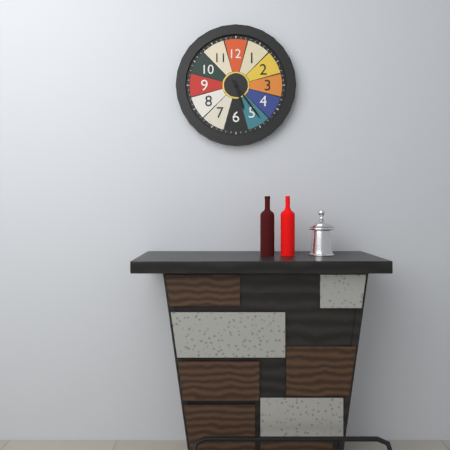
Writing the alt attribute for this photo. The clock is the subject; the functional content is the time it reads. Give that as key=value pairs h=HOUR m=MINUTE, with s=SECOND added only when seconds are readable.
h=5 m=24
